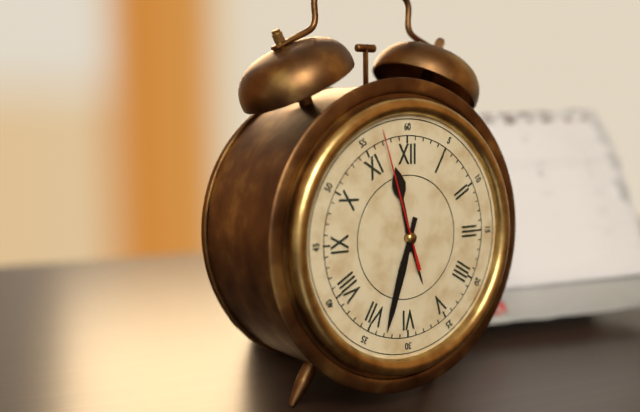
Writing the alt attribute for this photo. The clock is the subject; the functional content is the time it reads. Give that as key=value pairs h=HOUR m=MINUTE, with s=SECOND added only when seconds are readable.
h=11 m=33 s=57
